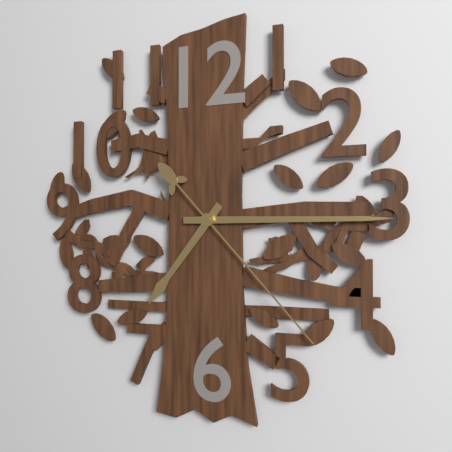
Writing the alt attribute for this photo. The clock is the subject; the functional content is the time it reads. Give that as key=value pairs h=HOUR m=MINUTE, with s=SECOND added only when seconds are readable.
h=7 m=15 s=23
